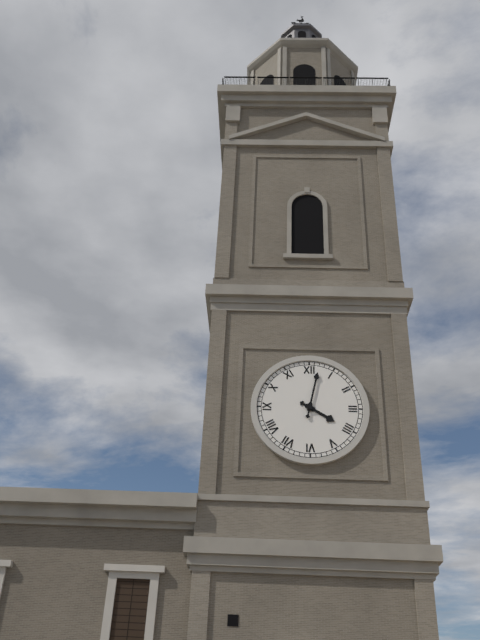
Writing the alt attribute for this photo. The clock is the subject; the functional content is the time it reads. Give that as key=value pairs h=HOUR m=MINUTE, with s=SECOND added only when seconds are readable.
h=4 m=2
